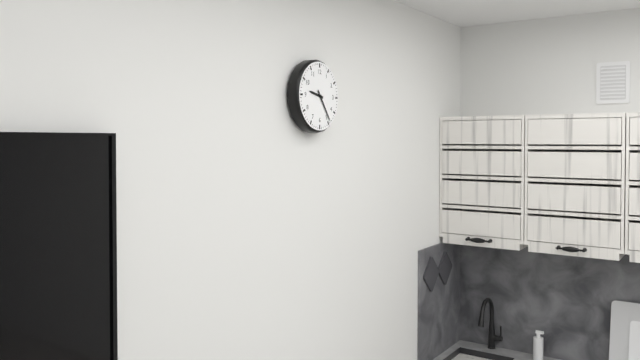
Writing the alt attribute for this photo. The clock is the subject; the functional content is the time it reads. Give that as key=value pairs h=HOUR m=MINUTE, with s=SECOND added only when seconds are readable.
h=9 m=24
